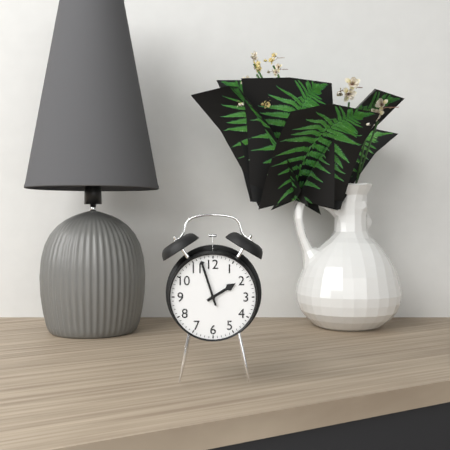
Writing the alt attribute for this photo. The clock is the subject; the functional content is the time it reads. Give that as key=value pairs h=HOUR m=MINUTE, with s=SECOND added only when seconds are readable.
h=1 m=57
